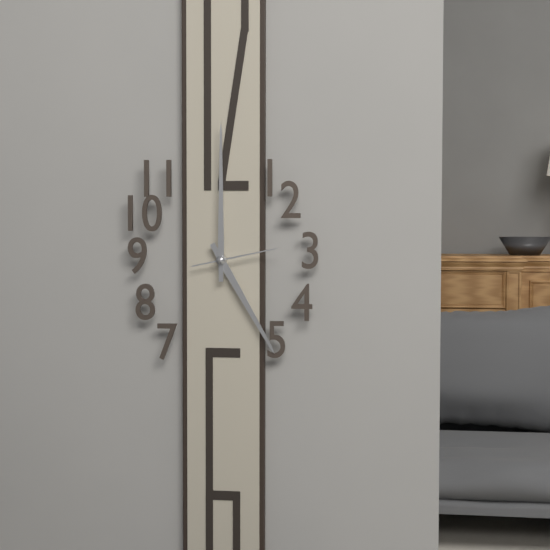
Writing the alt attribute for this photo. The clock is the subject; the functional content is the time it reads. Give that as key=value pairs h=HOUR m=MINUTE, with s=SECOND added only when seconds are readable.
h=5 m=0 s=13
